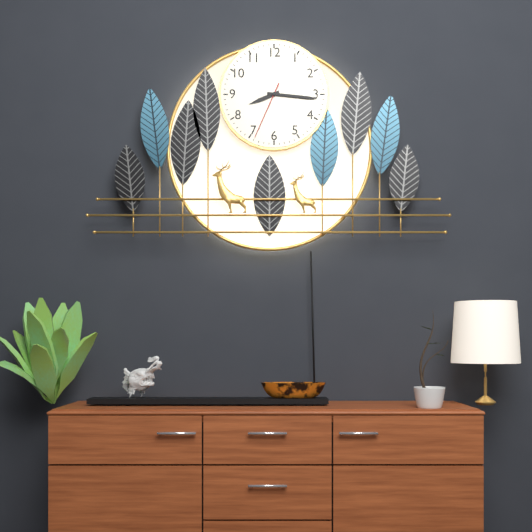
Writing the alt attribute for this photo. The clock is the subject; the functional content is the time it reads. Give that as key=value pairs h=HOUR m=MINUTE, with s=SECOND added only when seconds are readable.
h=8 m=16 s=34
